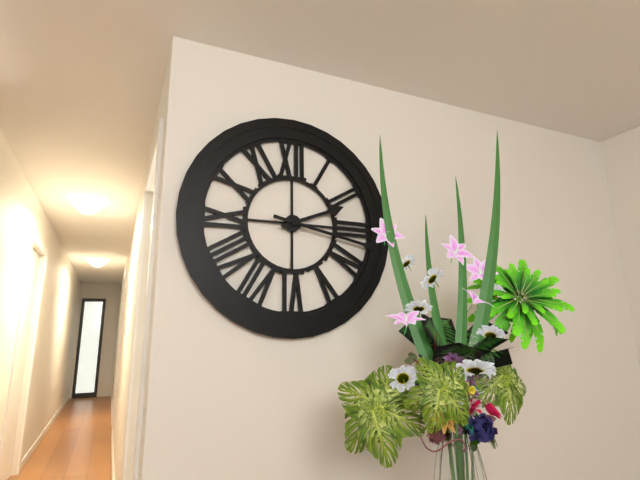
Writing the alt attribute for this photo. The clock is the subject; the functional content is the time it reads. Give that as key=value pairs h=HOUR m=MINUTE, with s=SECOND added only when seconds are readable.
h=2 m=17
